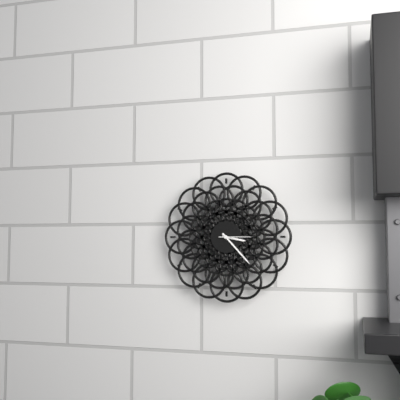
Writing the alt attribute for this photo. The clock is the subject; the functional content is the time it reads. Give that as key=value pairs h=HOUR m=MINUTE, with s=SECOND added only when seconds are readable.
h=3 m=23
